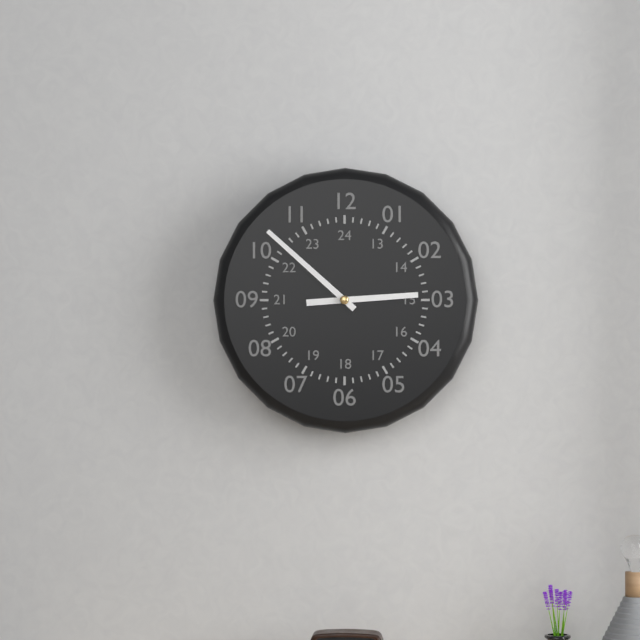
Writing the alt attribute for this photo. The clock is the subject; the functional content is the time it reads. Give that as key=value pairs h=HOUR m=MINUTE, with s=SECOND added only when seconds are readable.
h=2 m=52
